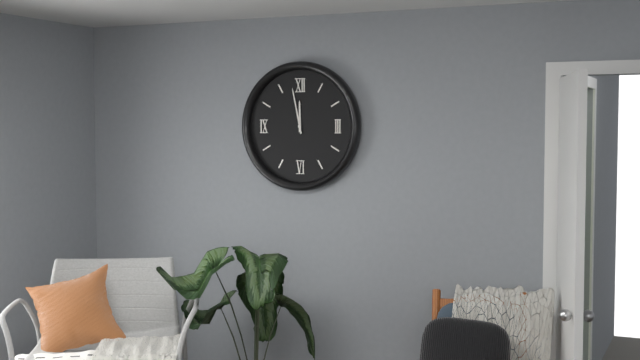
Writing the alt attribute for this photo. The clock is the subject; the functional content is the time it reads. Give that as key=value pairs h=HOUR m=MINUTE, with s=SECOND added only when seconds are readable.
h=11 m=58
